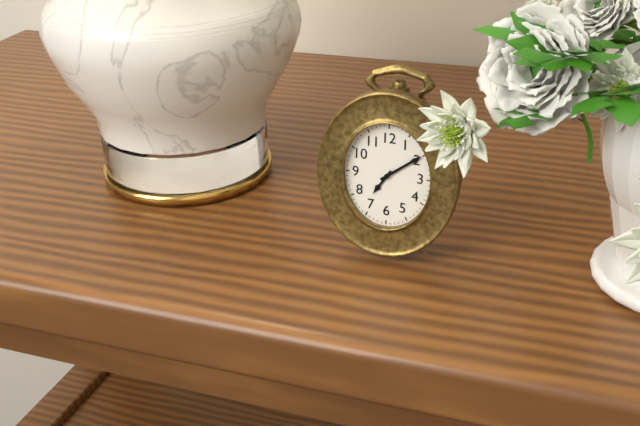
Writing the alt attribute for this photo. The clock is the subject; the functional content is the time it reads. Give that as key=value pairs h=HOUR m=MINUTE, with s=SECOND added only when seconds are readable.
h=7 m=9
